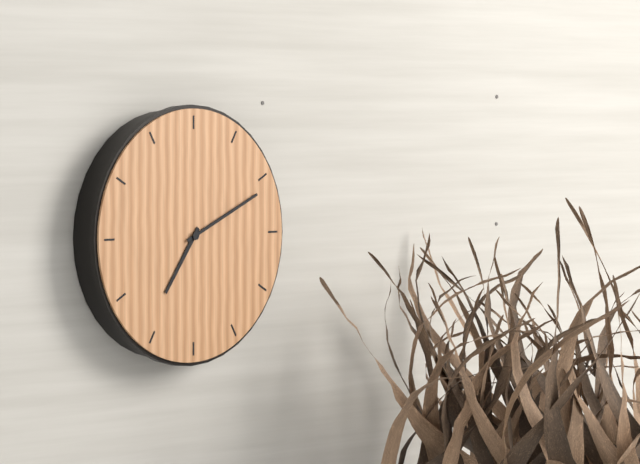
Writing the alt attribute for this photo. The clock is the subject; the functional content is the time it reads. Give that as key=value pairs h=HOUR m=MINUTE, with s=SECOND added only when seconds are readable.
h=7 m=11
